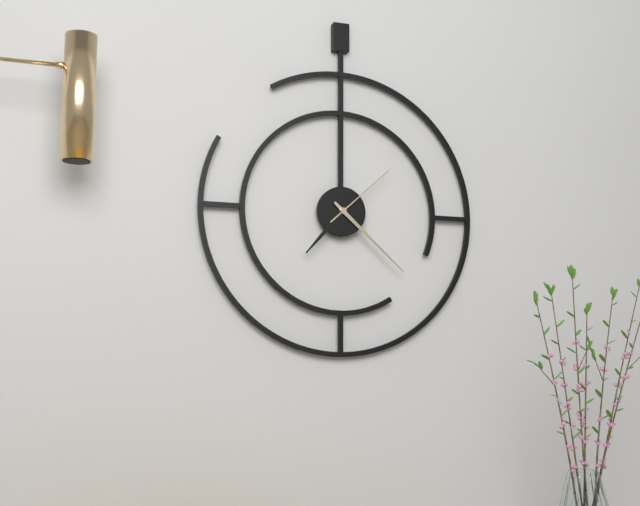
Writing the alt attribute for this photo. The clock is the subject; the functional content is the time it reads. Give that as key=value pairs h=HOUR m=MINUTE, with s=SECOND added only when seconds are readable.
h=7 m=22 s=8
